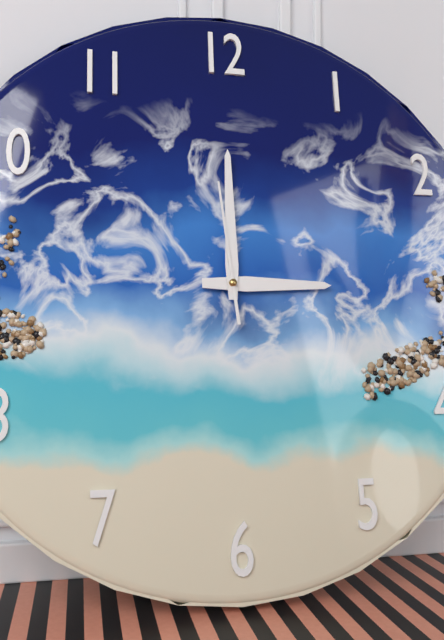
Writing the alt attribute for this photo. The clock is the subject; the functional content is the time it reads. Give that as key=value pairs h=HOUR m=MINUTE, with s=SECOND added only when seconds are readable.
h=3 m=0 s=59
